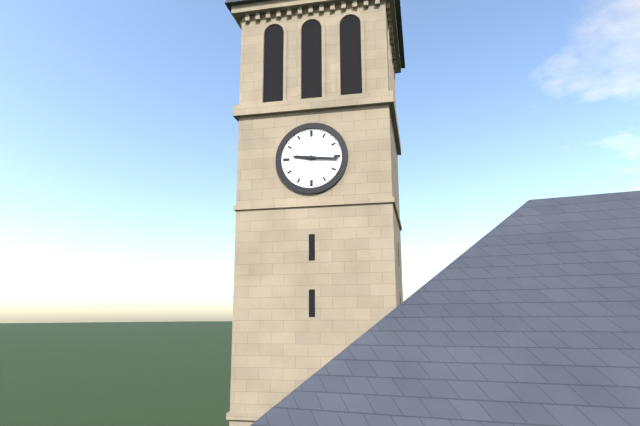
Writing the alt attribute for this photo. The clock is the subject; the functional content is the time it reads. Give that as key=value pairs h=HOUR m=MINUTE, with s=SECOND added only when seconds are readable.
h=9 m=16
